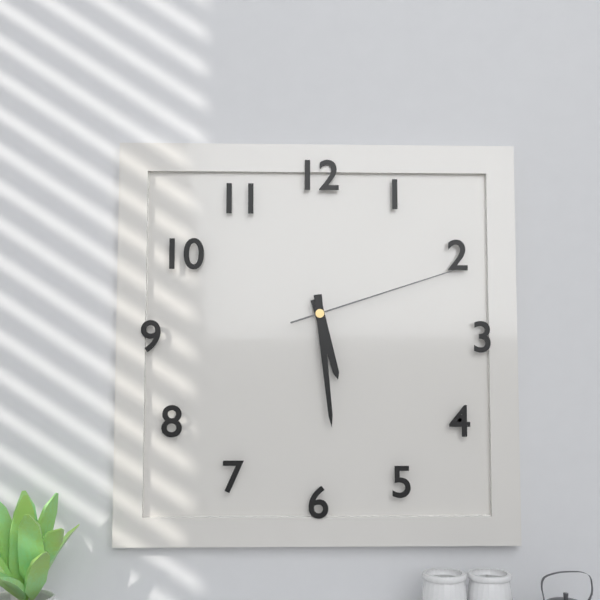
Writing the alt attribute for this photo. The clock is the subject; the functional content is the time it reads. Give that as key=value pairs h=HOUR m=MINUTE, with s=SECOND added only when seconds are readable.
h=5 m=29 s=12
